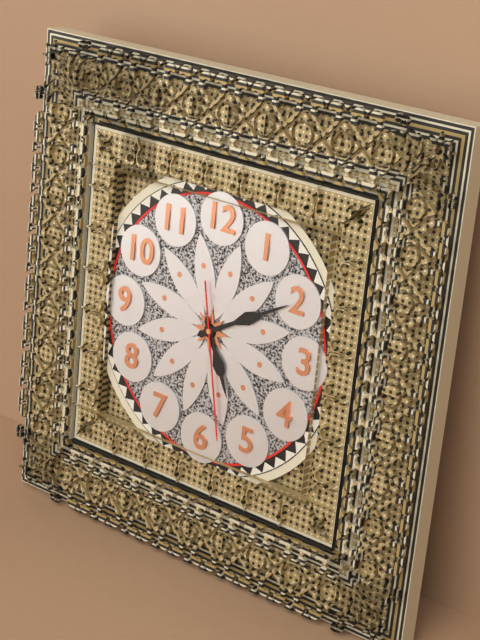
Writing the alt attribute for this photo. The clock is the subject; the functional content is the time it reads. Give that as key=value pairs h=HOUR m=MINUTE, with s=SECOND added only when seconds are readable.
h=5 m=10 s=28
